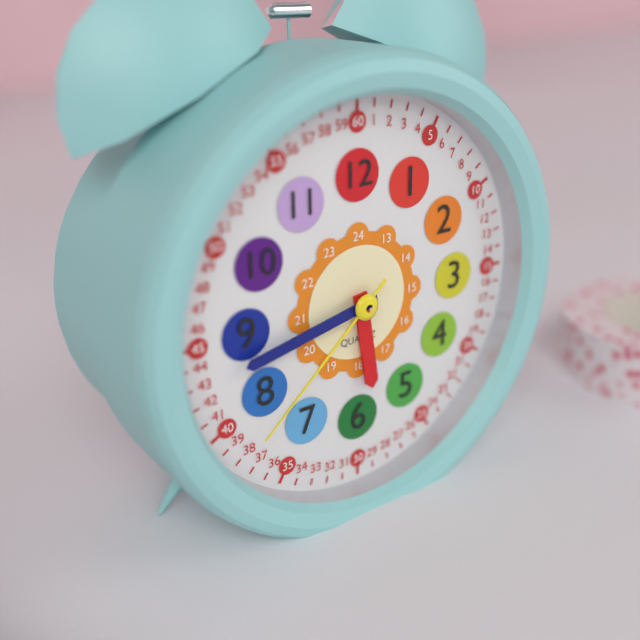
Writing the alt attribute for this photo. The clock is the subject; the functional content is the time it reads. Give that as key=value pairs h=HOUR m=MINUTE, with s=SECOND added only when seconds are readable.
h=5 m=43 s=38
